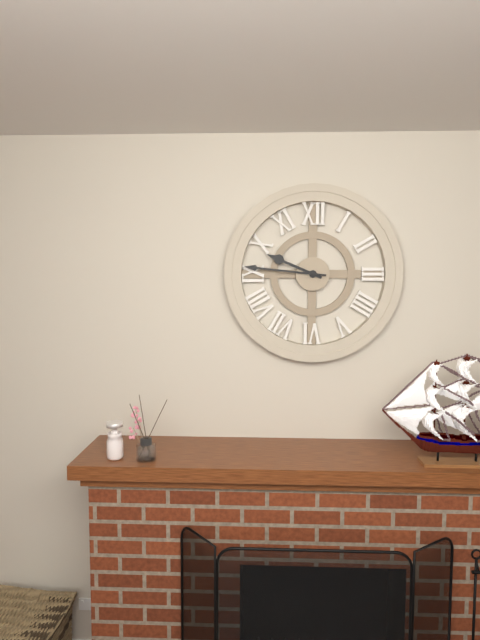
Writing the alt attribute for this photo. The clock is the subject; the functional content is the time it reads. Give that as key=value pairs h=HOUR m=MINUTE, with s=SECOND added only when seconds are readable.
h=9 m=46
